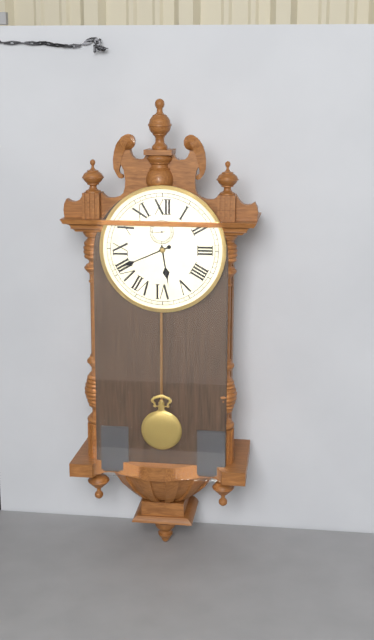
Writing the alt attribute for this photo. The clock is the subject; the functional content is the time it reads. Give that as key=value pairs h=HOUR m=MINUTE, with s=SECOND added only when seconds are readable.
h=5 m=41
